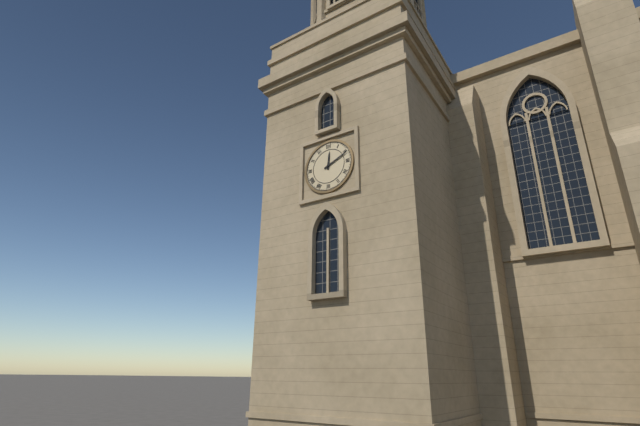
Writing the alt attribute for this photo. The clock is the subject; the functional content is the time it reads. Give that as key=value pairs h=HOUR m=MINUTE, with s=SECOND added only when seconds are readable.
h=12 m=11
